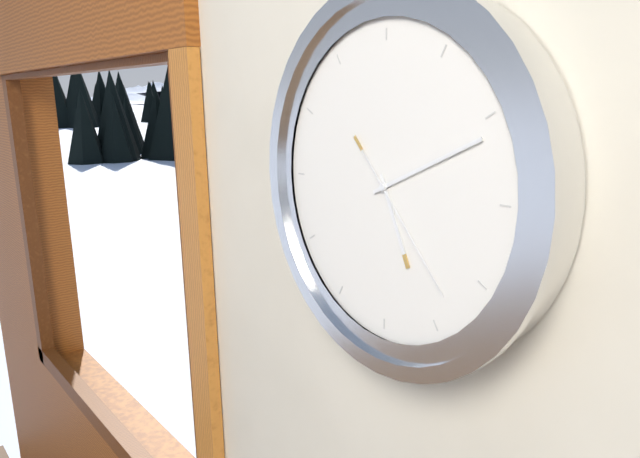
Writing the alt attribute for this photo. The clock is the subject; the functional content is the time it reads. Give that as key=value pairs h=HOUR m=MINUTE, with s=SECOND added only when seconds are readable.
h=5 m=11 s=23
